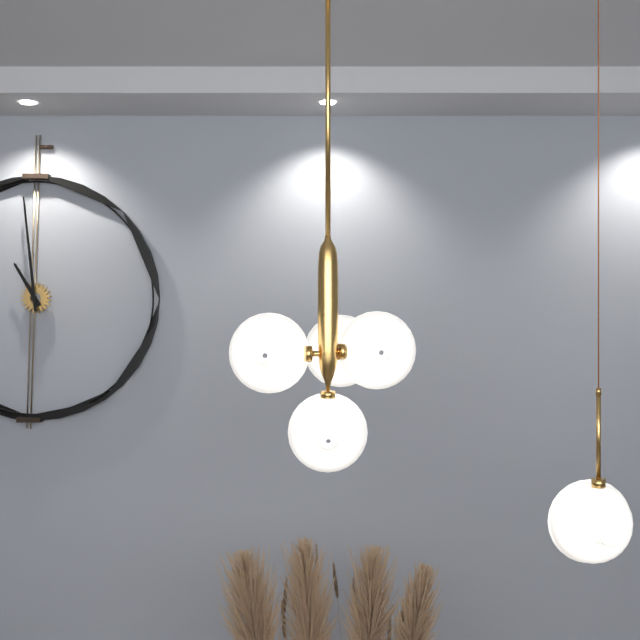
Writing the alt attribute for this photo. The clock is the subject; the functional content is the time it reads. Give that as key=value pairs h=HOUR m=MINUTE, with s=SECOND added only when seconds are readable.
h=10 m=59
